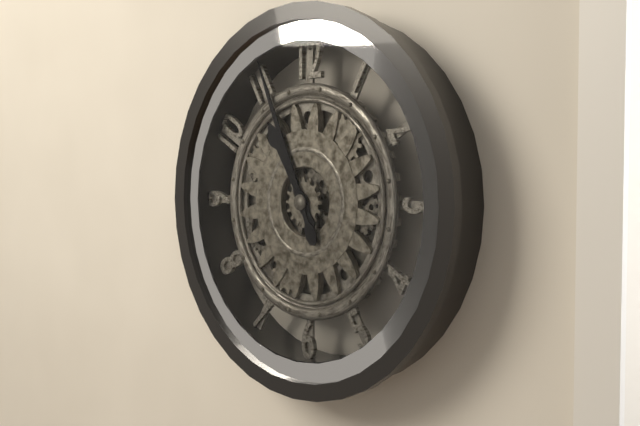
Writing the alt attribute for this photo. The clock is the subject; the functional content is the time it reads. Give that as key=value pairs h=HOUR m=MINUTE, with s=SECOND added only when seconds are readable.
h=10 m=56
